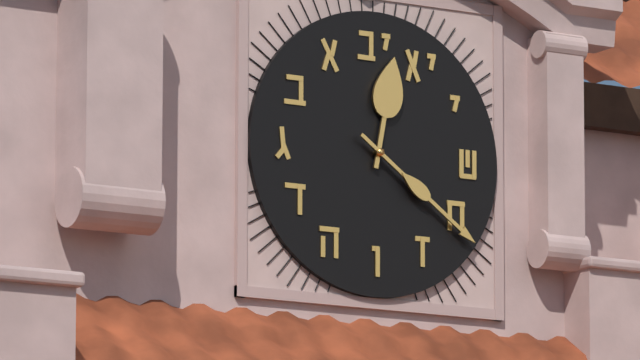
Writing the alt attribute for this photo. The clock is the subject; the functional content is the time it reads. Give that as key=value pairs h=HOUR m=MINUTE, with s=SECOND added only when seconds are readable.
h=12 m=21
